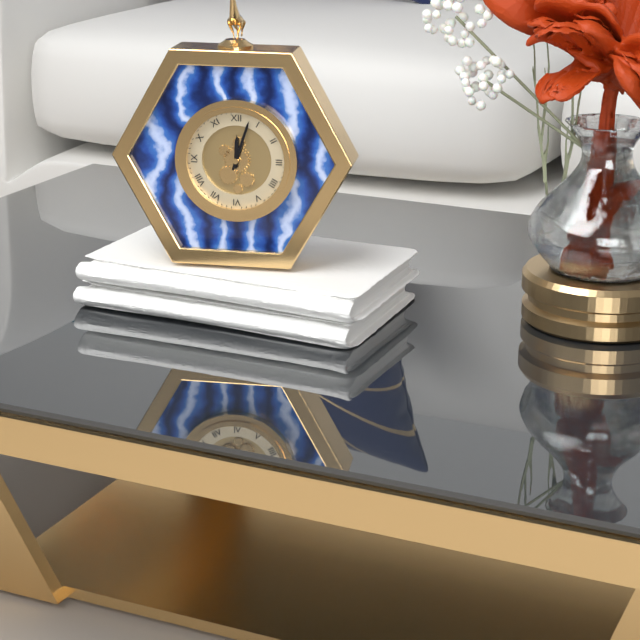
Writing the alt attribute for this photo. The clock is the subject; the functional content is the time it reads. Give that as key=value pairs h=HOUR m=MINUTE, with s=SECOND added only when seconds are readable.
h=12 m=3
